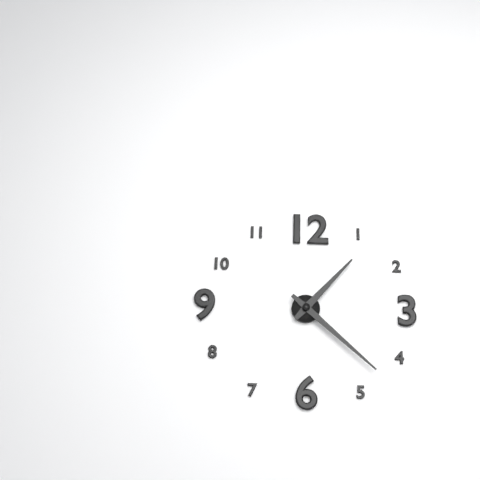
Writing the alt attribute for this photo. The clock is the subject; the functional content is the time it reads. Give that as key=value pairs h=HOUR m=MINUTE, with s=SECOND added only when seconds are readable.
h=1 m=22
